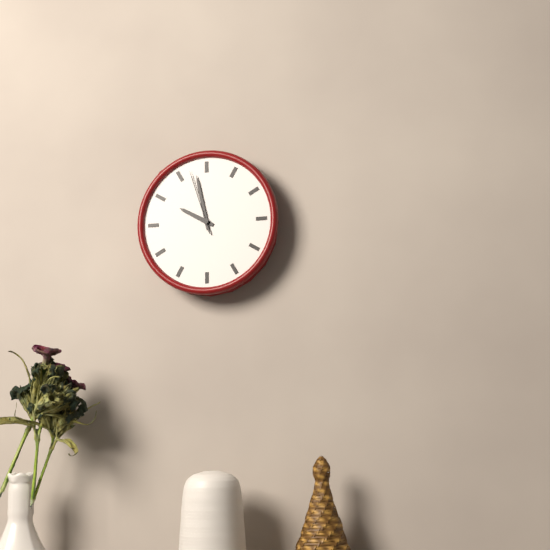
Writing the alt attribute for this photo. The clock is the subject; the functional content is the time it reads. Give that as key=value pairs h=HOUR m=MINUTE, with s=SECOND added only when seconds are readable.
h=9 m=58 s=57
